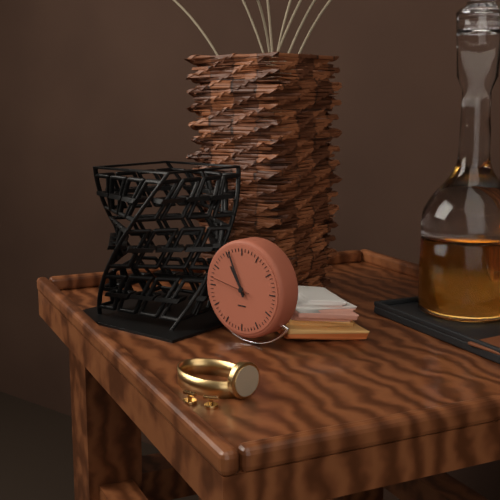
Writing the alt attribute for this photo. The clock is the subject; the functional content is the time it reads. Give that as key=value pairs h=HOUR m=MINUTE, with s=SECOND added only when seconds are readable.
h=10 m=56
